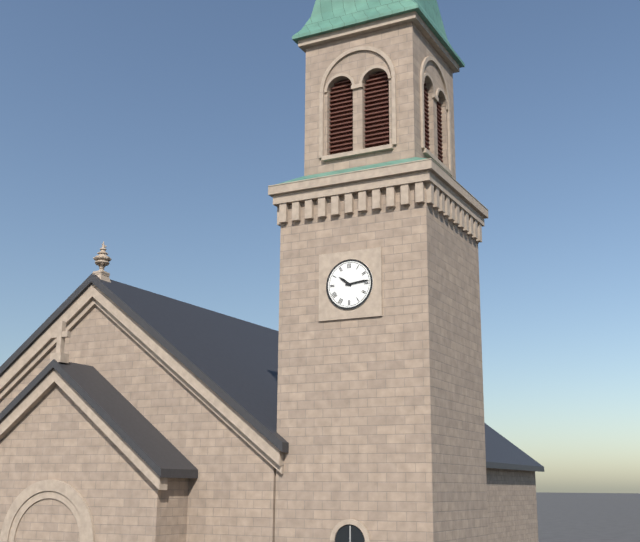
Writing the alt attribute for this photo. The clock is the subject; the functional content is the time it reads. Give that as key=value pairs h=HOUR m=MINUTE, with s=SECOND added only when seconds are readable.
h=10 m=14
